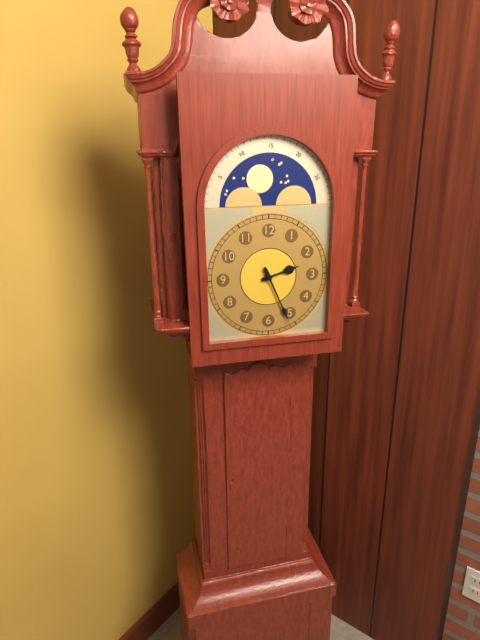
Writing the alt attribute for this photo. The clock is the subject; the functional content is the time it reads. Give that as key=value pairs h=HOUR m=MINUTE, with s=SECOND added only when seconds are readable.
h=2 m=26
